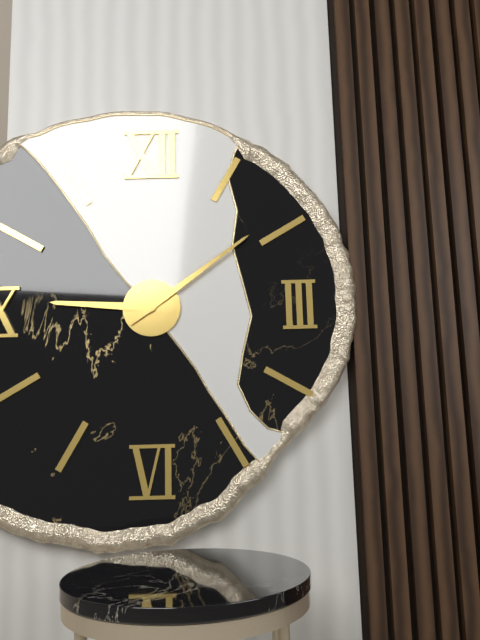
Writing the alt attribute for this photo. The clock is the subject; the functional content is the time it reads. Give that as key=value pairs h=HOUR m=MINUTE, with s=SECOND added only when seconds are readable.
h=9 m=9
